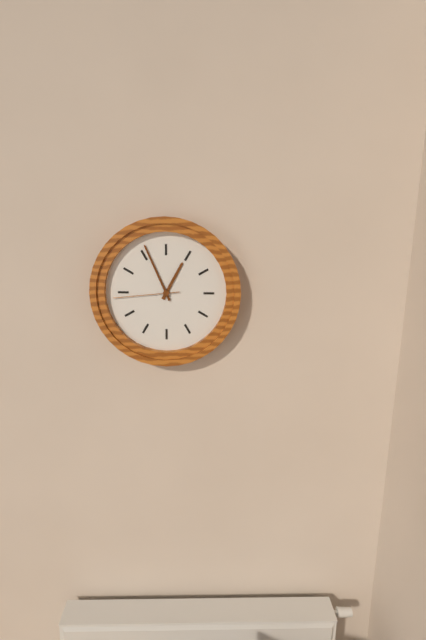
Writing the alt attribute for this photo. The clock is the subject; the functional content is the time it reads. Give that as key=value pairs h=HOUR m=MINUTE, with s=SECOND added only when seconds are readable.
h=12 m=56 s=44
